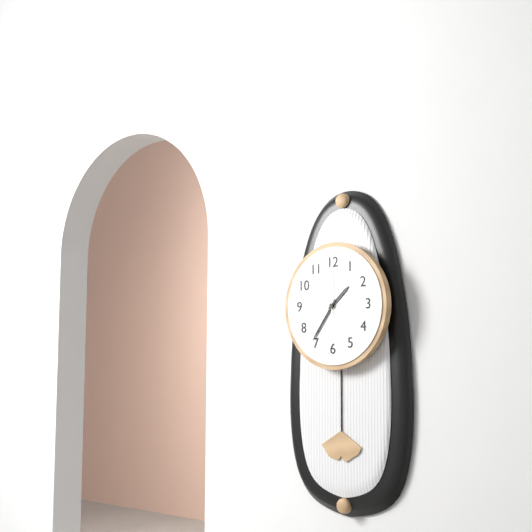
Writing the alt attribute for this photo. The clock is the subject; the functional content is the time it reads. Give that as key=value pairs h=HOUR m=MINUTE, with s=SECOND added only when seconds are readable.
h=1 m=36 s=0
